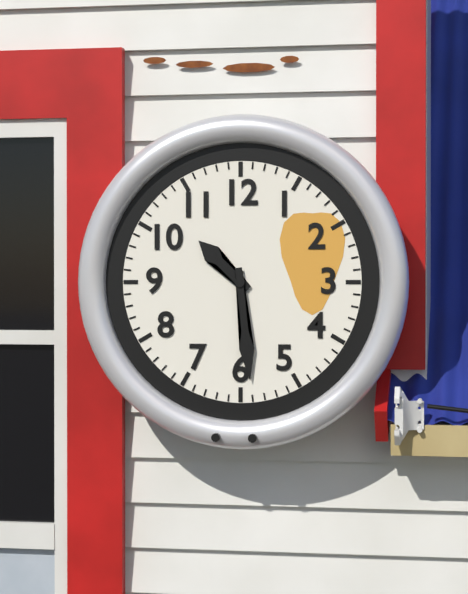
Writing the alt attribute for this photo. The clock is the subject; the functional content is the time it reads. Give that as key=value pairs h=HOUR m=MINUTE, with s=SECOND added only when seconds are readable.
h=10 m=29
